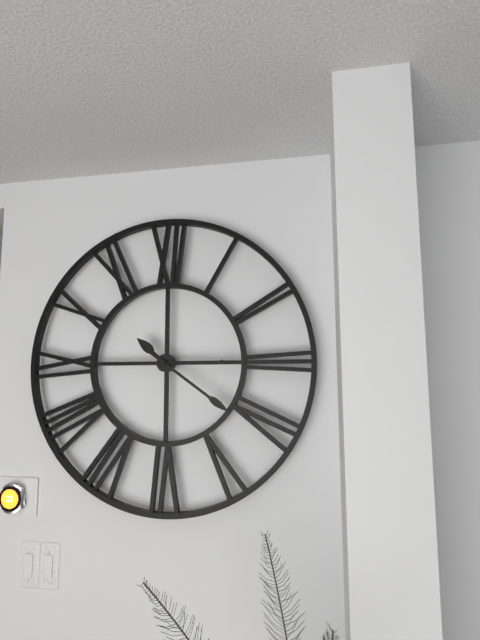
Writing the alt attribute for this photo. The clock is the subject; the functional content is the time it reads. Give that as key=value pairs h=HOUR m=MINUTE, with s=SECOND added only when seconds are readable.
h=10 m=21 s=15
